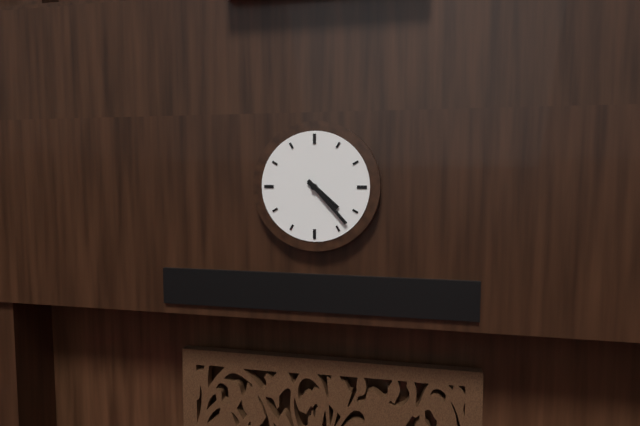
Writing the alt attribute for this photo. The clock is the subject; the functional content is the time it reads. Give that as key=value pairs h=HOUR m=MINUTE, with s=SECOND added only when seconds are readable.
h=4 m=23
